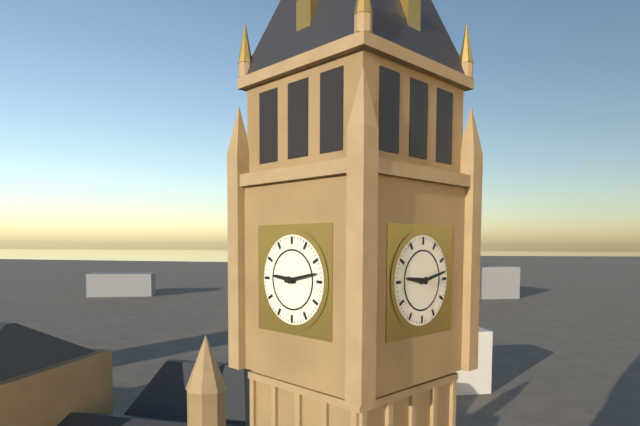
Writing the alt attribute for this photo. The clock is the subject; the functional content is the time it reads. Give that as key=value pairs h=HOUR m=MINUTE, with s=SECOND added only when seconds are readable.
h=9 m=13
